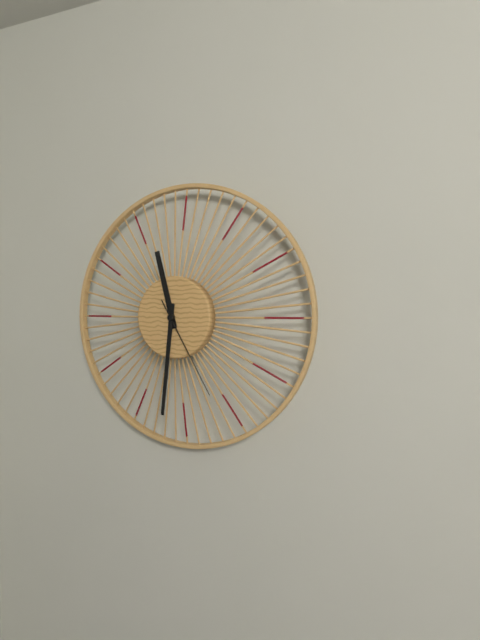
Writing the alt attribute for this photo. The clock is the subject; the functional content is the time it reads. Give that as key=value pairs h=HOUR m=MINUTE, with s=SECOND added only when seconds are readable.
h=11 m=31 s=25
